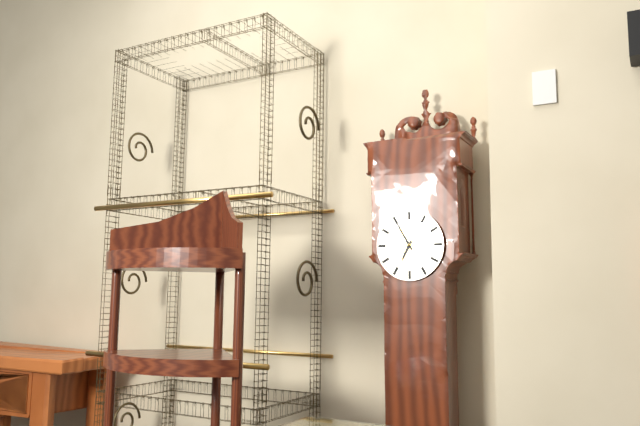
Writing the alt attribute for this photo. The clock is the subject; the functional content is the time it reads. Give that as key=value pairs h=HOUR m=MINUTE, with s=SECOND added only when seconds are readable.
h=6 m=55
